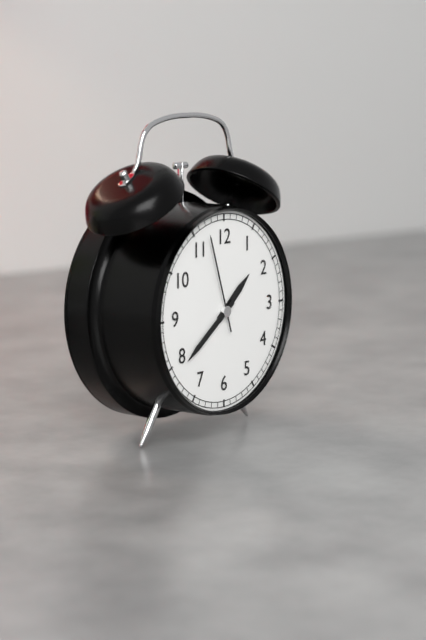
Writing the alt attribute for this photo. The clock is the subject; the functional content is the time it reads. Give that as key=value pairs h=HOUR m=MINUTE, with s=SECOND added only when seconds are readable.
h=1 m=39 s=57
